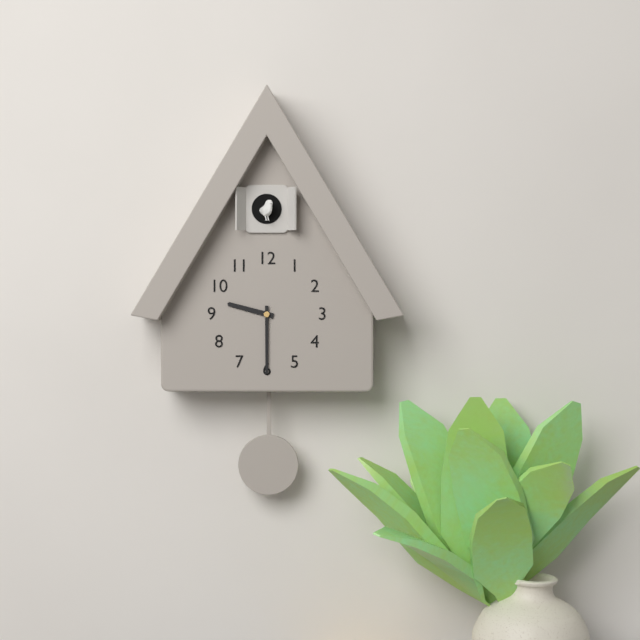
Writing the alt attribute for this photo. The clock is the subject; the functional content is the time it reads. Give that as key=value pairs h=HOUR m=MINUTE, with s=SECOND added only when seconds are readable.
h=9 m=30
